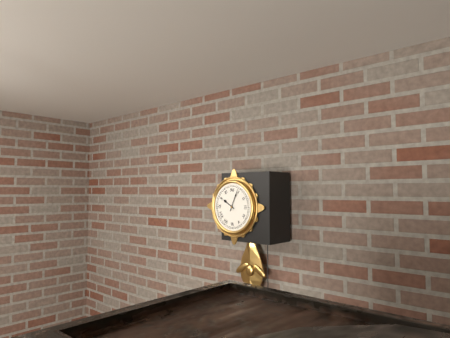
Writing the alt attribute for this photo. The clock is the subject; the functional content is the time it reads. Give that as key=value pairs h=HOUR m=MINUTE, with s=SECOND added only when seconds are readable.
h=10 m=4
